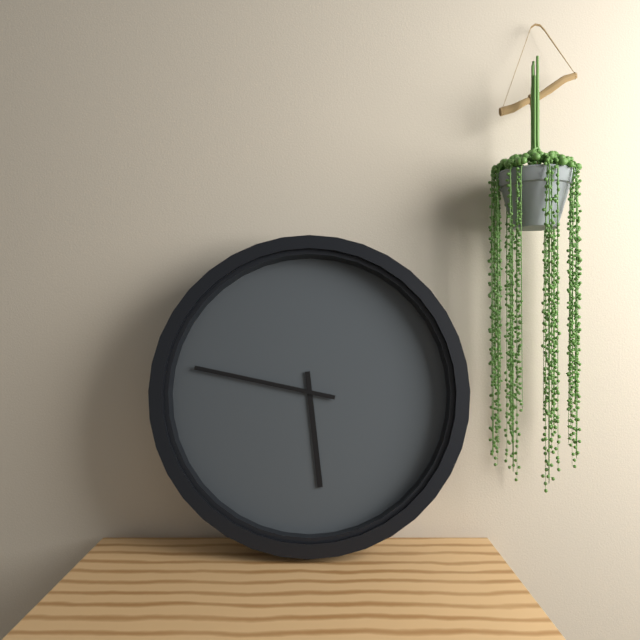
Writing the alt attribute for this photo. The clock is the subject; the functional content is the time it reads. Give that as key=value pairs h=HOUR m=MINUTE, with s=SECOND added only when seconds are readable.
h=5 m=47
